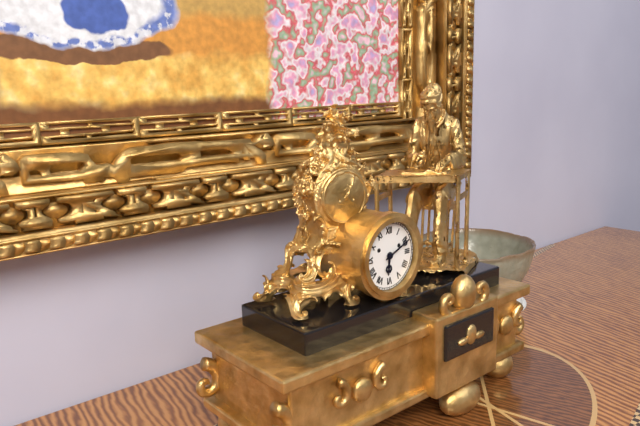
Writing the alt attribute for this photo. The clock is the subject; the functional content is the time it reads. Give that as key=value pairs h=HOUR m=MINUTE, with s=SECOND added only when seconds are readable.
h=6 m=11
